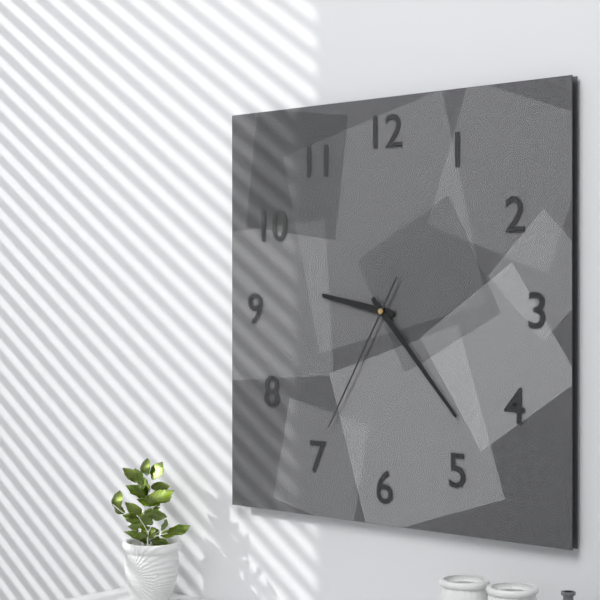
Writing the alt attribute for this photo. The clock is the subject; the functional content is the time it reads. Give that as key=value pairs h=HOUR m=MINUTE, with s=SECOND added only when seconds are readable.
h=9 m=23 s=35
